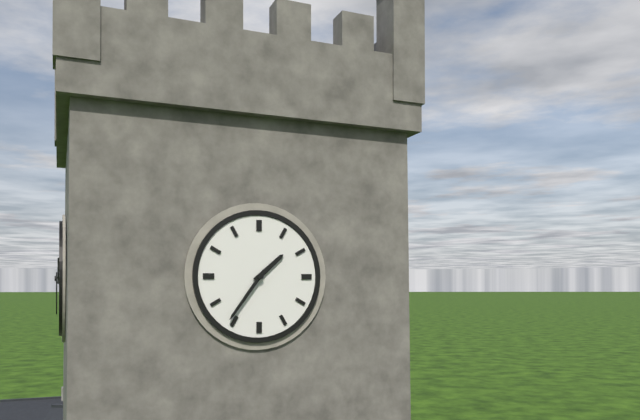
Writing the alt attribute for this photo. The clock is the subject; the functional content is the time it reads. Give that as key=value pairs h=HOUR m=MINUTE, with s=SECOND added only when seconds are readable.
h=1 m=36
